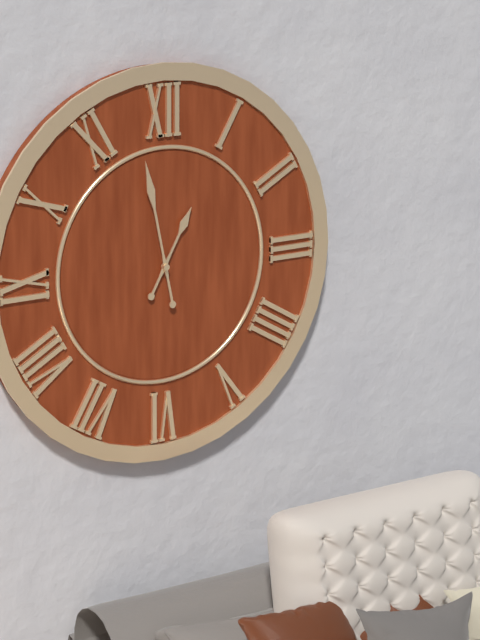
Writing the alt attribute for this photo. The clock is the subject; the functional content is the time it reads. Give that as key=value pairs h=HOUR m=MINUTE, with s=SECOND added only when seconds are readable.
h=12 m=58
